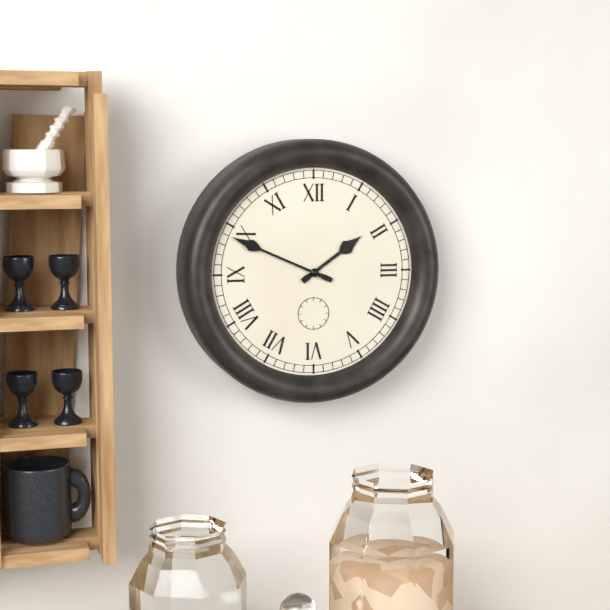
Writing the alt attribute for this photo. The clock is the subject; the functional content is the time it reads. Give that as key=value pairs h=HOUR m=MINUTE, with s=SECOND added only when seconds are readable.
h=1 m=49
